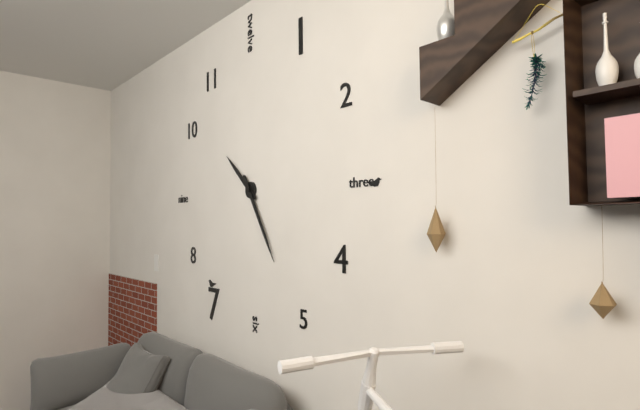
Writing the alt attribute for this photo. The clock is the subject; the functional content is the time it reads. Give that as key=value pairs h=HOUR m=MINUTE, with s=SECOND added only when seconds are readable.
h=10 m=25
